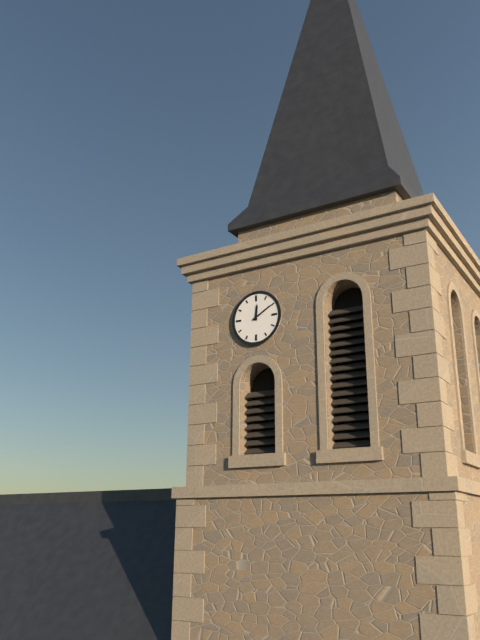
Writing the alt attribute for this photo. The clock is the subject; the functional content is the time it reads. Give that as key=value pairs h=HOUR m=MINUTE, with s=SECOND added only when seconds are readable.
h=12 m=10
